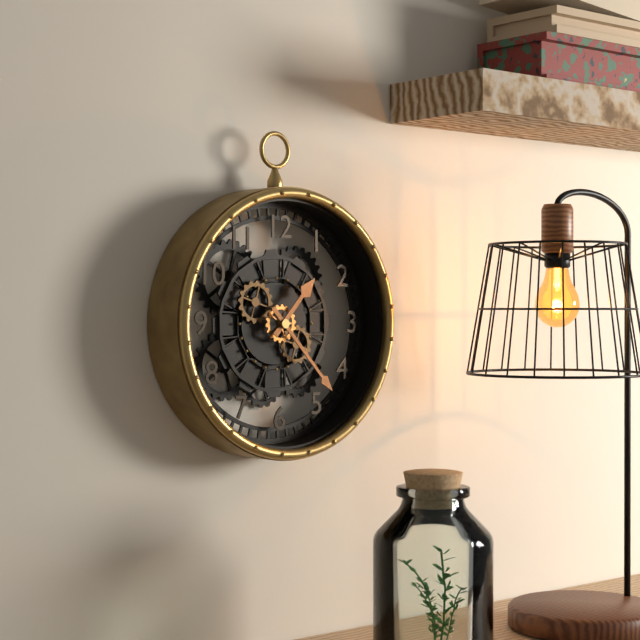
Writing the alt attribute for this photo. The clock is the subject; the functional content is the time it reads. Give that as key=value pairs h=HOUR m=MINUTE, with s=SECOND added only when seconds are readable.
h=1 m=23
